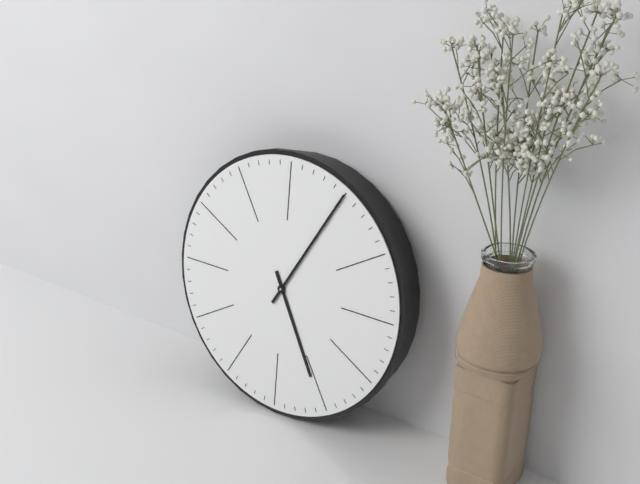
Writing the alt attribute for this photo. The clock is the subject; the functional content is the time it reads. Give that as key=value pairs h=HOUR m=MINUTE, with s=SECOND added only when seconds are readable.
h=5 m=5
